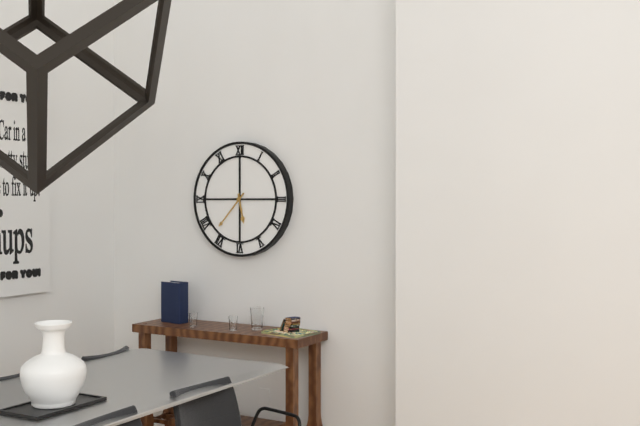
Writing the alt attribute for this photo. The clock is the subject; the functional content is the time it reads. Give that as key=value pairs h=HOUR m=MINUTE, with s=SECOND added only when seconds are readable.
h=5 m=37
